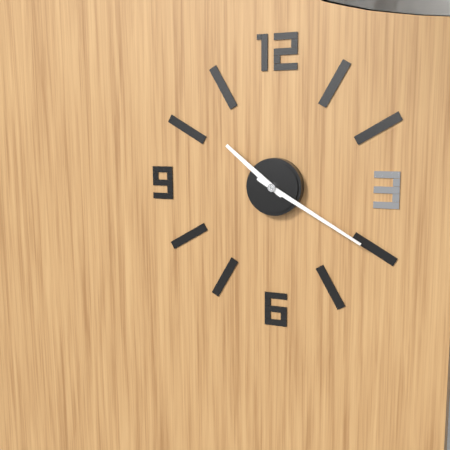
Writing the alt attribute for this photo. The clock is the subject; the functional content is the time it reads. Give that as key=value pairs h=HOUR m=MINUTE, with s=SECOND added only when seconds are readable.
h=10 m=20
